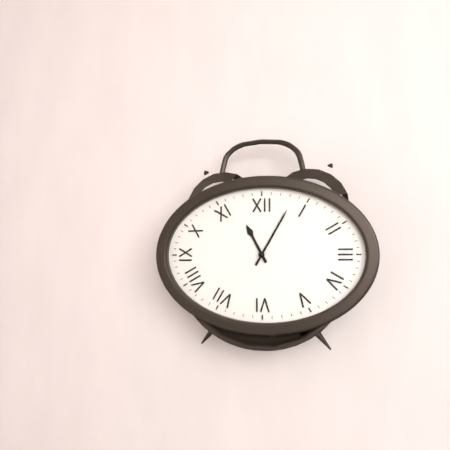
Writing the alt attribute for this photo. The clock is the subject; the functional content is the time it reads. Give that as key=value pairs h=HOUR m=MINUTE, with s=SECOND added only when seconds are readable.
h=11 m=5
